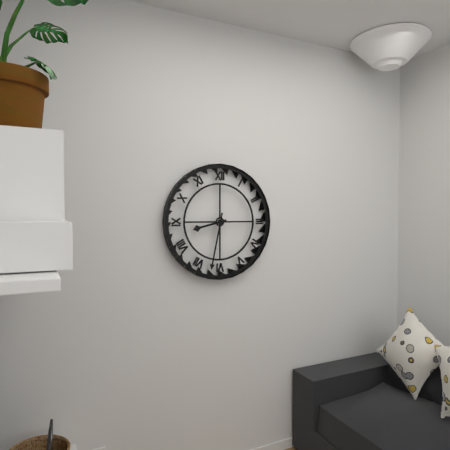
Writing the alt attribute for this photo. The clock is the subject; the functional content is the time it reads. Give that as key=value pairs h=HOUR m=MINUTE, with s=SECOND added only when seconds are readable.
h=8 m=32
